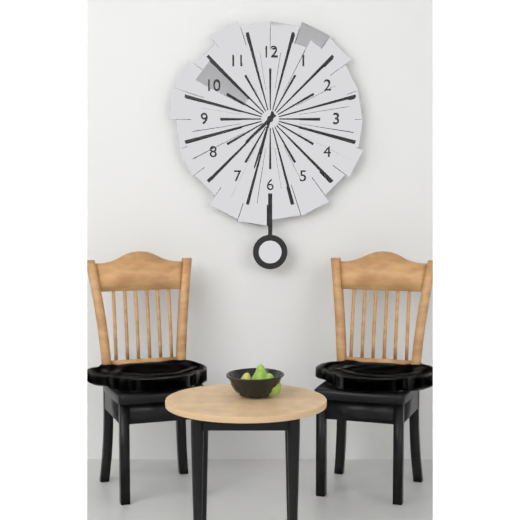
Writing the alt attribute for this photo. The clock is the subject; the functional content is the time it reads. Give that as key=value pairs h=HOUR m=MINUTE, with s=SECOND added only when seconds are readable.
h=7 m=33
